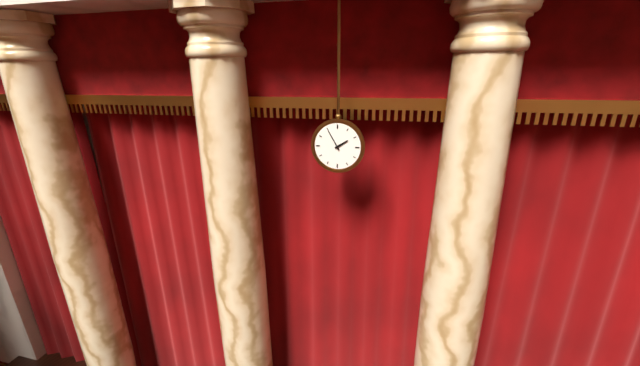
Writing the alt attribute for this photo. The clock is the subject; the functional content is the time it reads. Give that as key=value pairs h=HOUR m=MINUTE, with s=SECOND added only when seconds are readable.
h=1 m=55
